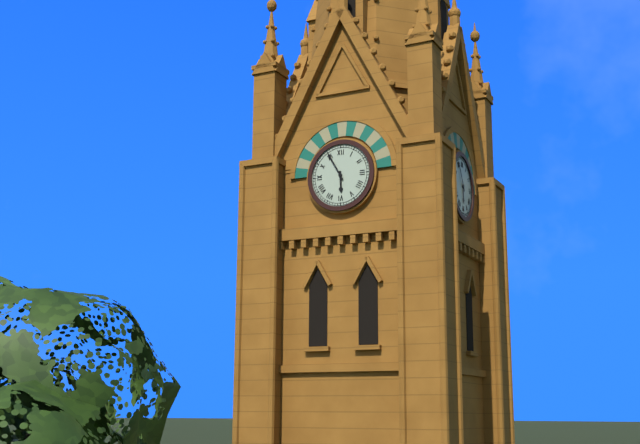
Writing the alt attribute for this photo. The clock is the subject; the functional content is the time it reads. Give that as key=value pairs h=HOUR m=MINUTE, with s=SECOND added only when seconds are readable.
h=5 m=55
